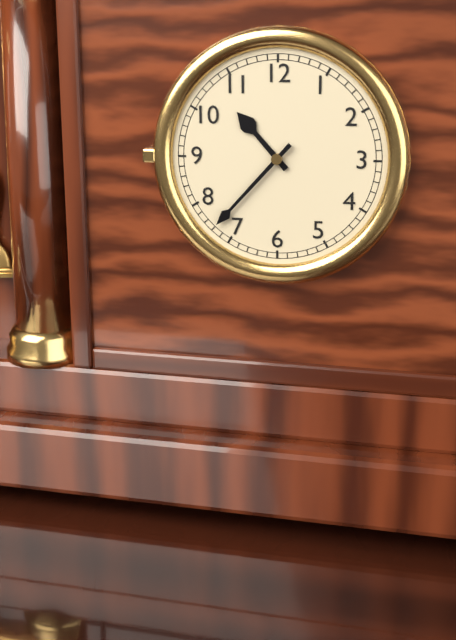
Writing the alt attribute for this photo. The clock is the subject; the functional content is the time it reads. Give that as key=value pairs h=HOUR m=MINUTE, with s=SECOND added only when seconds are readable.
h=10 m=37
